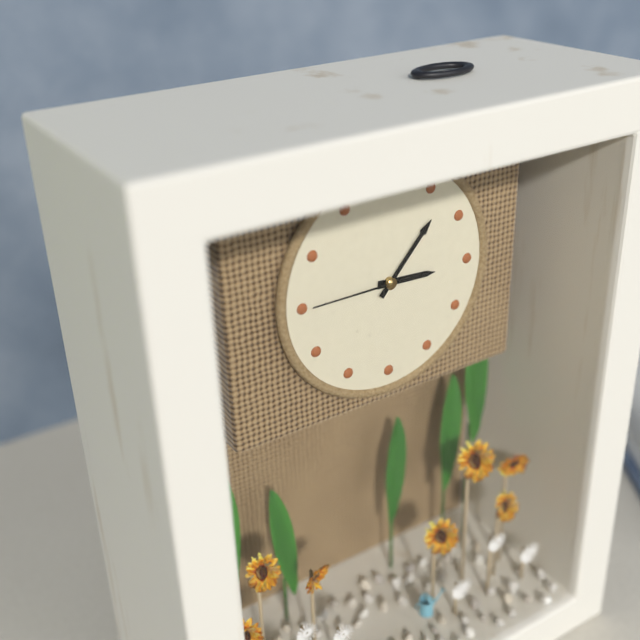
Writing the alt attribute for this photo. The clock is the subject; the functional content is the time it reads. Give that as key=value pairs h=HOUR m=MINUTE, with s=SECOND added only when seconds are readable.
h=3 m=7 s=45
